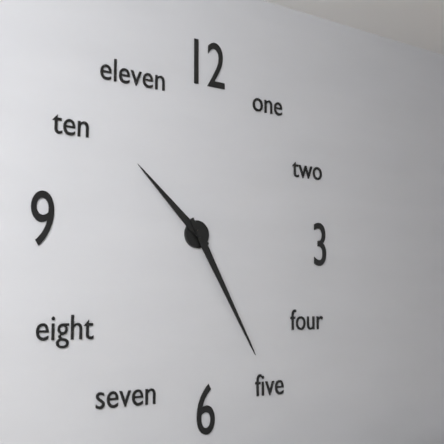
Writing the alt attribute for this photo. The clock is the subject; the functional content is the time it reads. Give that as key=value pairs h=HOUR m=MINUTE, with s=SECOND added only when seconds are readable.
h=10 m=25
